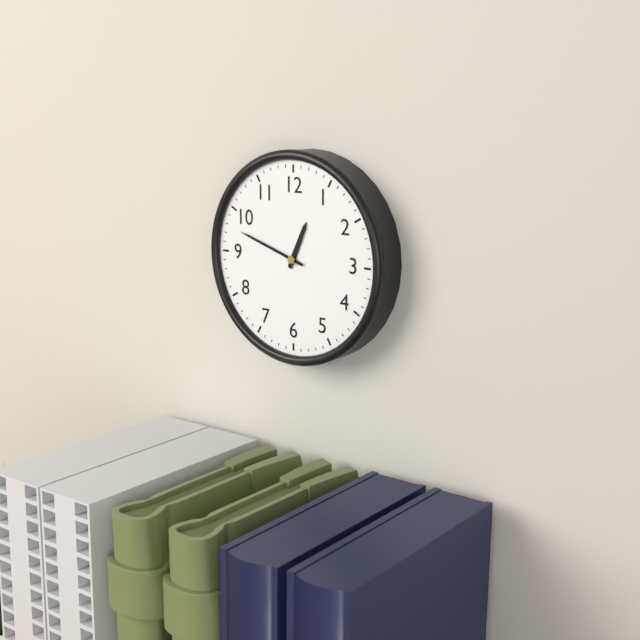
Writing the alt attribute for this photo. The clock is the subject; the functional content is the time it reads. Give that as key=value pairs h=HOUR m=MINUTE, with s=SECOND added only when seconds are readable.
h=12 m=48
